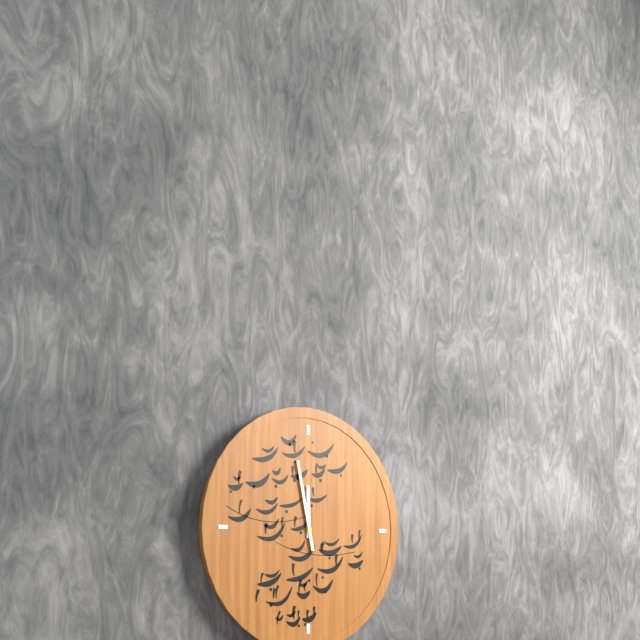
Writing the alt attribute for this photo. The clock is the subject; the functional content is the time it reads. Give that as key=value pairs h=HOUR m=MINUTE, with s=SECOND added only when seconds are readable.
h=11 m=58
